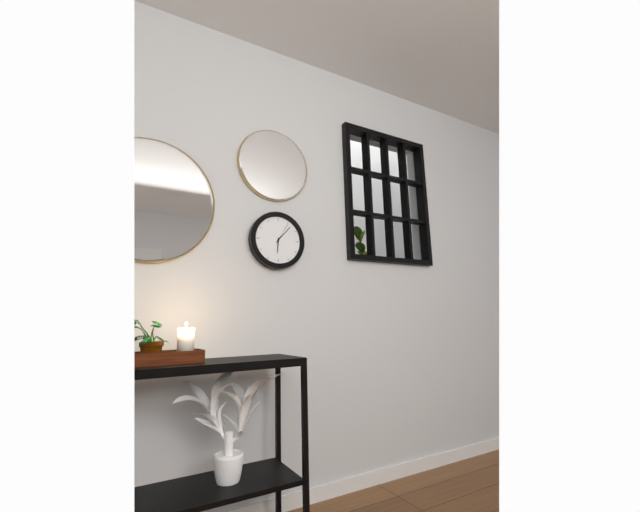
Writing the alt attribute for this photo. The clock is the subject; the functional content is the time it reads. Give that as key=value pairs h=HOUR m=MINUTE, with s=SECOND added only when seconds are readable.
h=6 m=7
